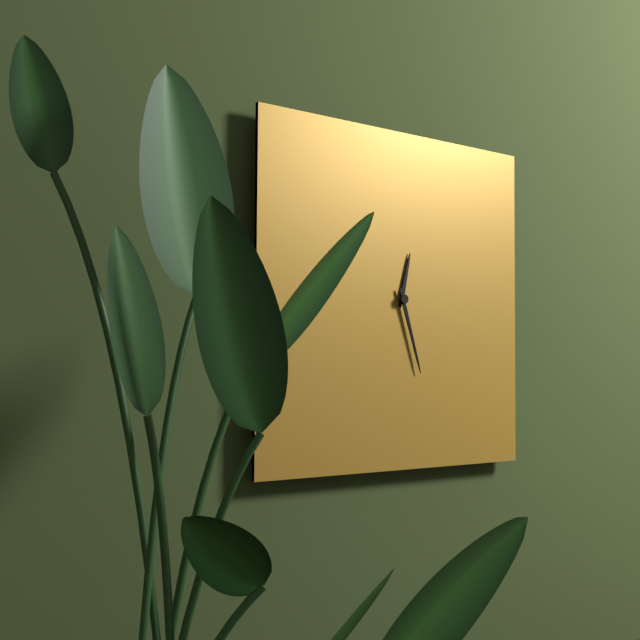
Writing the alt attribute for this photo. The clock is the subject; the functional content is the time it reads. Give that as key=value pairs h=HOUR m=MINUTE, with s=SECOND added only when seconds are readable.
h=12 m=27
